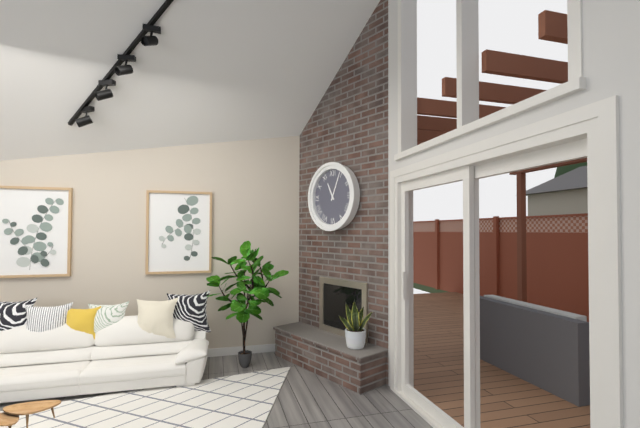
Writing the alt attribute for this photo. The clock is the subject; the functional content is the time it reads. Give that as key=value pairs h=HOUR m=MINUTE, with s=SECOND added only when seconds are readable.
h=11 m=4
